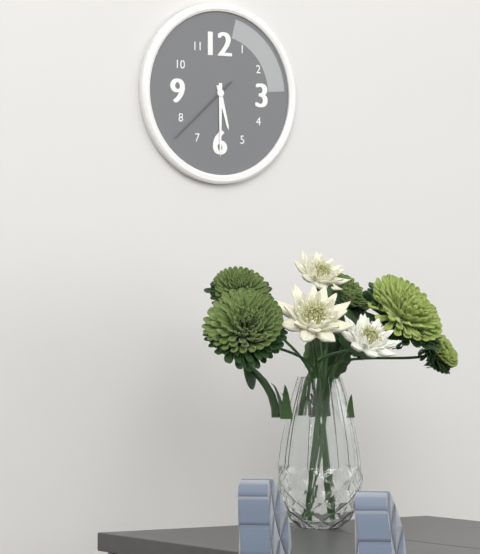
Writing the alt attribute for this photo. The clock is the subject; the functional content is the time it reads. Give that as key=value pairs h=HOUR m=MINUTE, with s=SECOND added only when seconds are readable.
h=5 m=30 s=38
